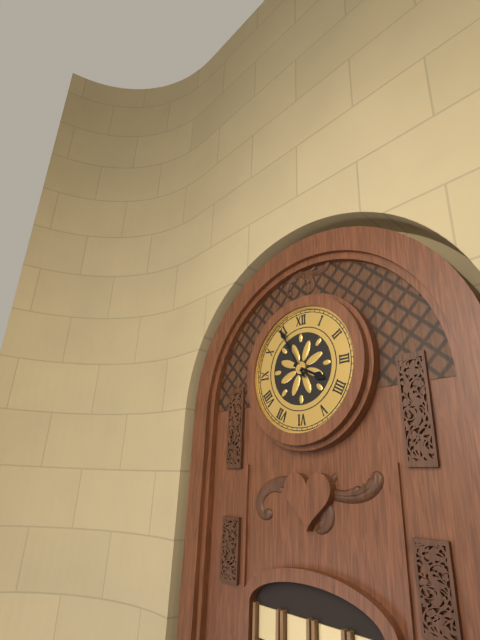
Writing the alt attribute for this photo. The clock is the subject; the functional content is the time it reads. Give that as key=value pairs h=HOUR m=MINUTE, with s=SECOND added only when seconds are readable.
h=3 m=55
